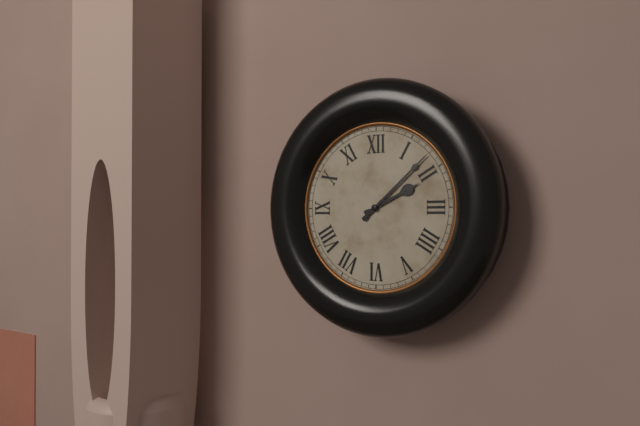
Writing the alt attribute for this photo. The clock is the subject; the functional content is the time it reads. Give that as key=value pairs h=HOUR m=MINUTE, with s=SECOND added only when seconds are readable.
h=2 m=8
